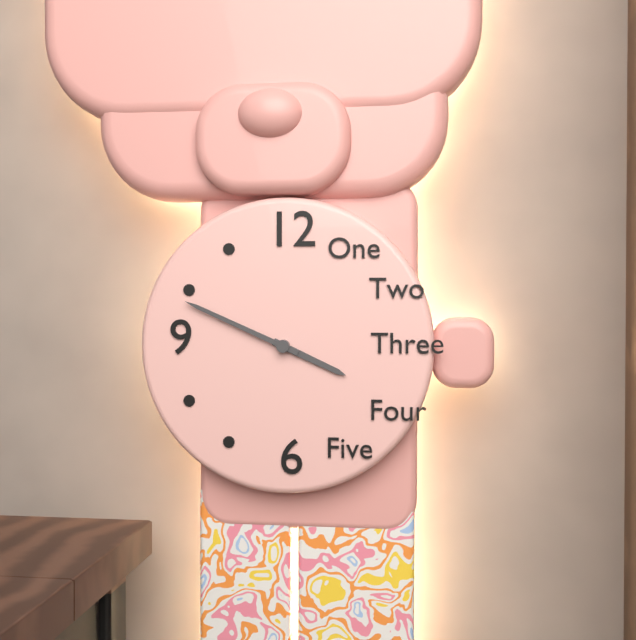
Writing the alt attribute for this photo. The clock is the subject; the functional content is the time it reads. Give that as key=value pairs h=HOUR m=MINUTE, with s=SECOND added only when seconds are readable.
h=3 m=49
